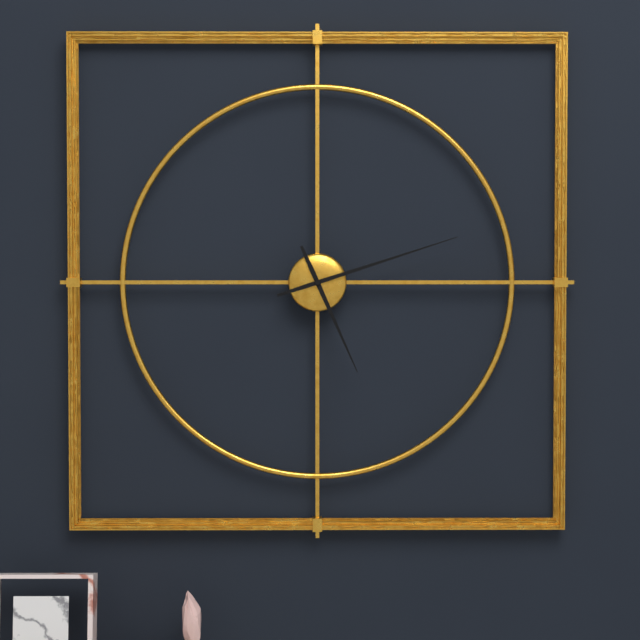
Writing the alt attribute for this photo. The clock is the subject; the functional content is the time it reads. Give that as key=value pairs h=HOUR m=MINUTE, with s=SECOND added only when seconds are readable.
h=5 m=12
